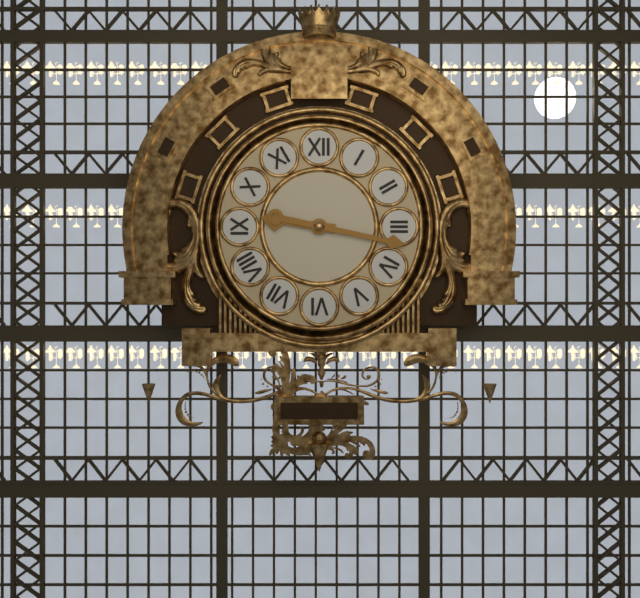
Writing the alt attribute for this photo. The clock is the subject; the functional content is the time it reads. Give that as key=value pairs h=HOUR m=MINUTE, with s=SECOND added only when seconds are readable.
h=9 m=17
